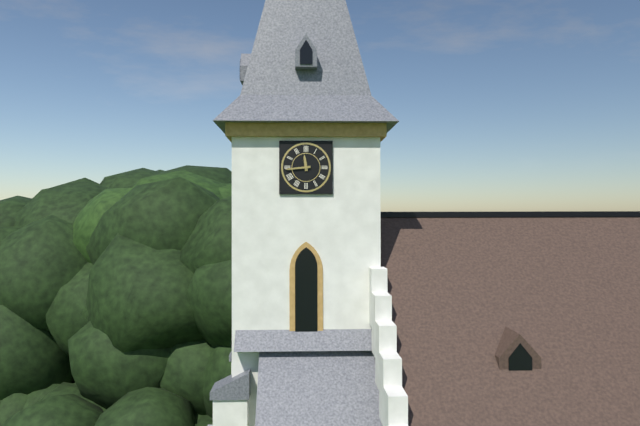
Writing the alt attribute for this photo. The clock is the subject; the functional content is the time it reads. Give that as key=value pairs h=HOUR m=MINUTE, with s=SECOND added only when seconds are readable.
h=11 m=44
